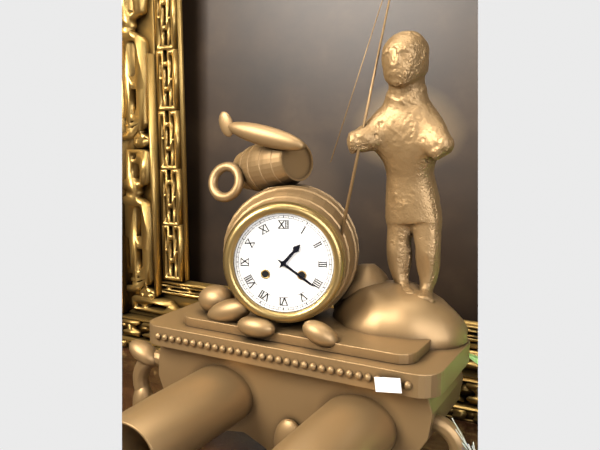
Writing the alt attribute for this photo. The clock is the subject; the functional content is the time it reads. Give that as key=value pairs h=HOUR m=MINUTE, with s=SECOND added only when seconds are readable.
h=1 m=21
